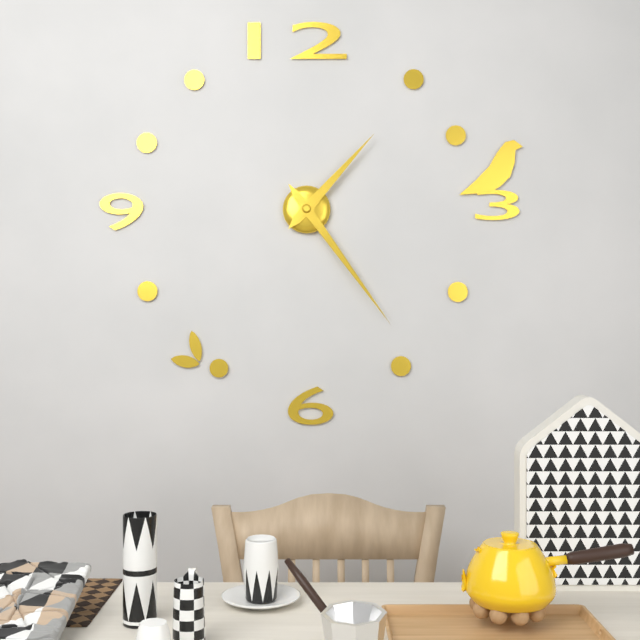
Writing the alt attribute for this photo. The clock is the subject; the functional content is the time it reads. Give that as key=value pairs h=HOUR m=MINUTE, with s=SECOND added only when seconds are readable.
h=1 m=24
